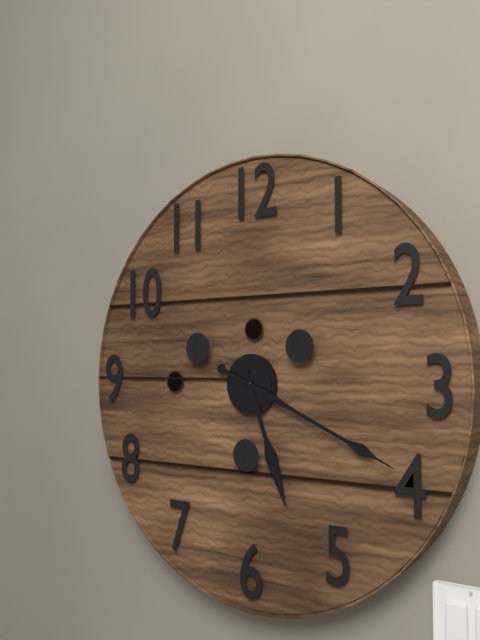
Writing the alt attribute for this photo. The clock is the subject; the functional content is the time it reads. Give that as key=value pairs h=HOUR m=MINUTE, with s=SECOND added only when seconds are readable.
h=5 m=19
